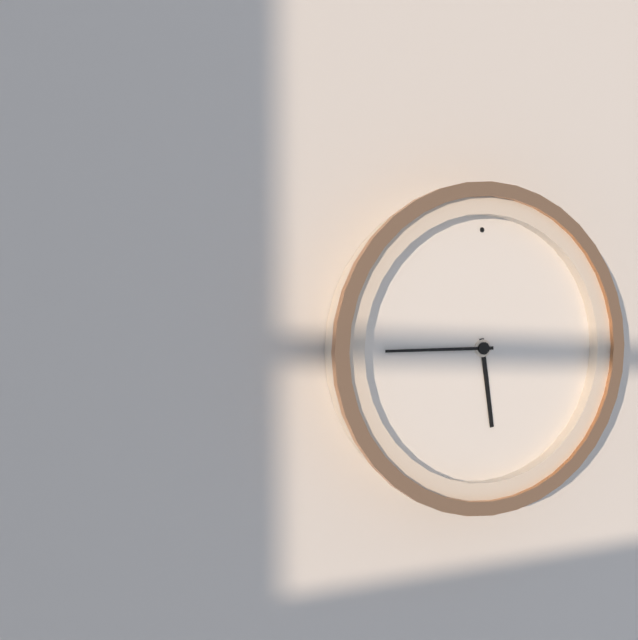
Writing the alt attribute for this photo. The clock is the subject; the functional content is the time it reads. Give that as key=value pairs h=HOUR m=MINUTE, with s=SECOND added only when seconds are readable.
h=5 m=45
